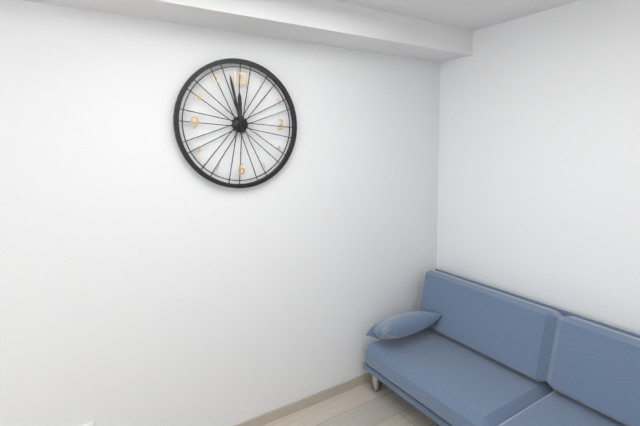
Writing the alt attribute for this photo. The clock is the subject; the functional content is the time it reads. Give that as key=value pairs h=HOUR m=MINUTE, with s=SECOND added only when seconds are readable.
h=11 m=58
